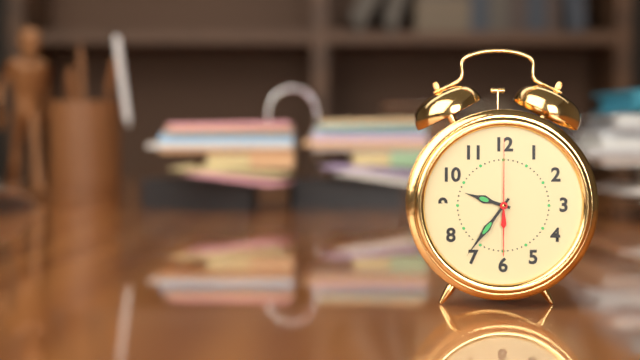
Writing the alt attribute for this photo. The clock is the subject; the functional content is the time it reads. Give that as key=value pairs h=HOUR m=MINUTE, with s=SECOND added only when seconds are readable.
h=9 m=36 s=0
